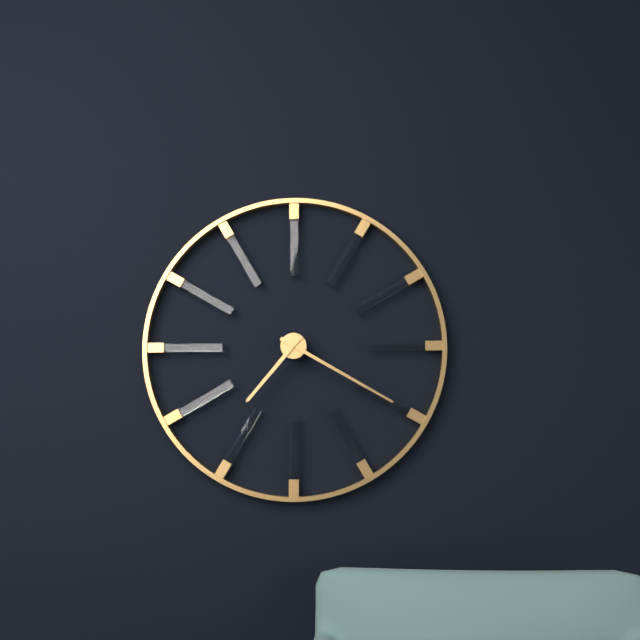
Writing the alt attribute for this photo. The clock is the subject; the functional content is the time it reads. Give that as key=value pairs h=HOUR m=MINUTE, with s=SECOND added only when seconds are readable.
h=7 m=20
